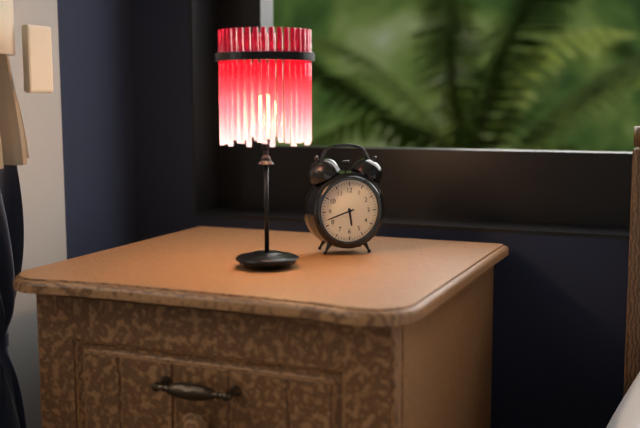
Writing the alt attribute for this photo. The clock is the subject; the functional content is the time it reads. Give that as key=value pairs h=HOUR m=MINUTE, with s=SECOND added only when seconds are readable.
h=5 m=42
